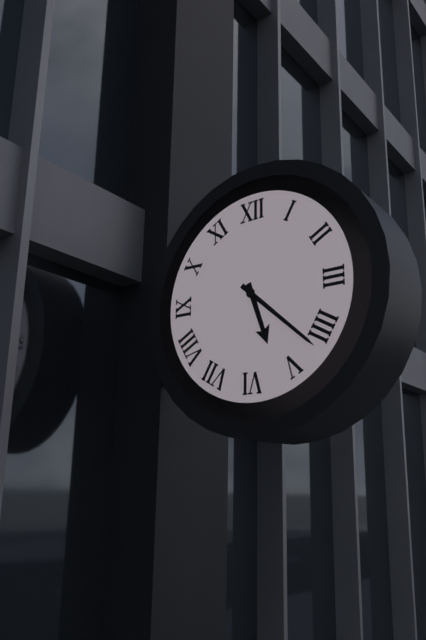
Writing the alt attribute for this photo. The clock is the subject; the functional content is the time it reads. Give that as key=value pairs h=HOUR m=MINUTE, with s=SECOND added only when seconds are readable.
h=5 m=22
